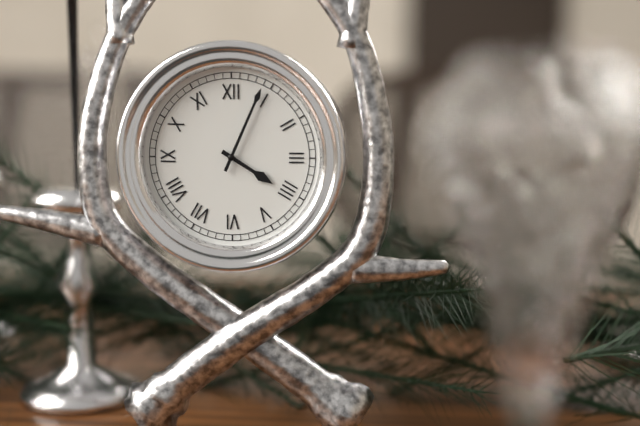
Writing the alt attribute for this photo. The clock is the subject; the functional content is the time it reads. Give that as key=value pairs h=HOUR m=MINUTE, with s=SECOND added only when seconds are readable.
h=4 m=4
